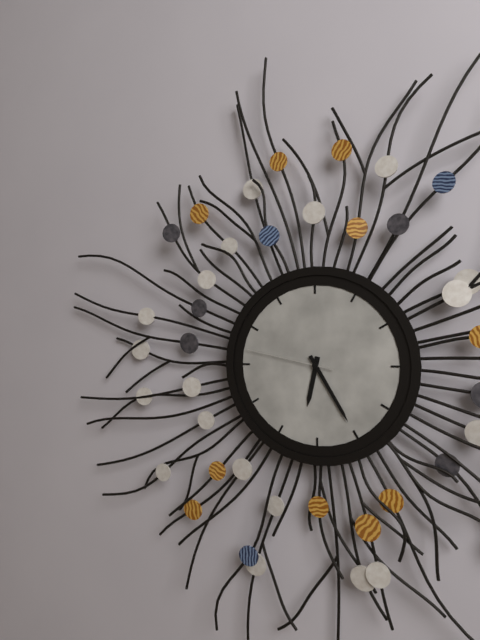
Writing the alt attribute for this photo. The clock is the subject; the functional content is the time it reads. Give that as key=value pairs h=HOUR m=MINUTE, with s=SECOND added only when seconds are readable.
h=6 m=25 s=47
